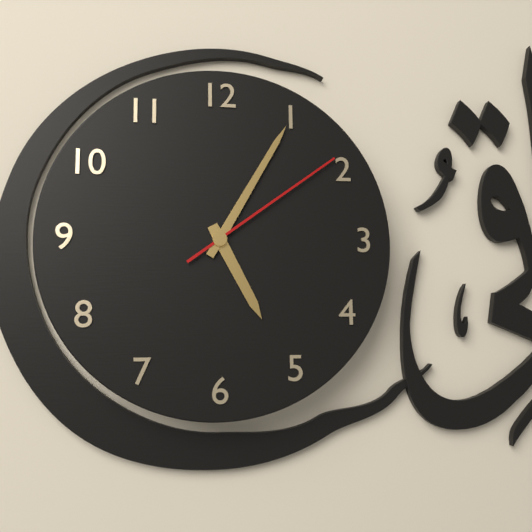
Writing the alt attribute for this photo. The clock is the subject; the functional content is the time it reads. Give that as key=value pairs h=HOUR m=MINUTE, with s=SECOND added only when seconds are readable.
h=5 m=5 s=9
